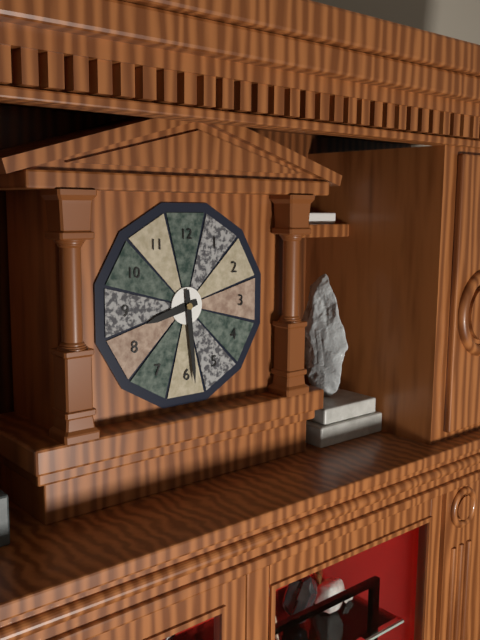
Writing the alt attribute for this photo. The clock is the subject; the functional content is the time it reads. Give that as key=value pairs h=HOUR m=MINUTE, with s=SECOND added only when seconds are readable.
h=8 m=29
